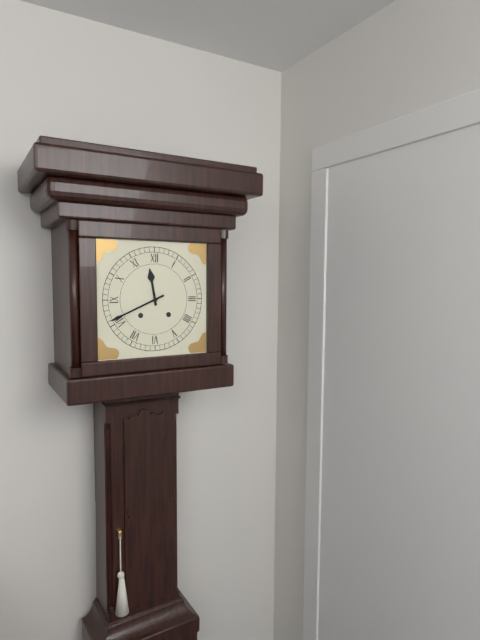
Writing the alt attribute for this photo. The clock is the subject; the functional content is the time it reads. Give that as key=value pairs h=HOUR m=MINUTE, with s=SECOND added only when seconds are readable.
h=11 m=41
